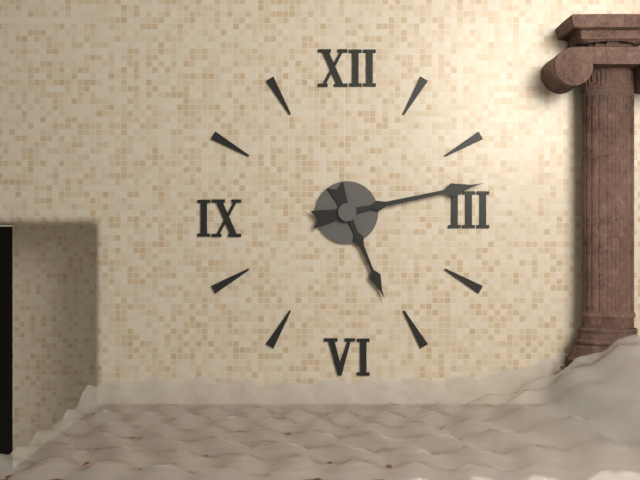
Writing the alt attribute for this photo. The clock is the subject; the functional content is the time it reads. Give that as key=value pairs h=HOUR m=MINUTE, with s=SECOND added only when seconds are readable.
h=5 m=13
